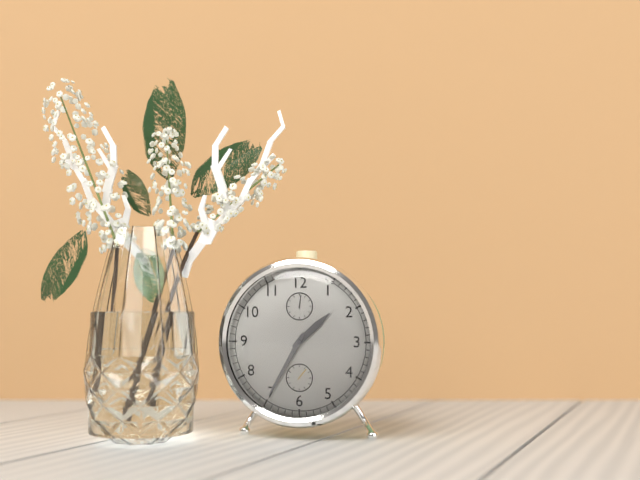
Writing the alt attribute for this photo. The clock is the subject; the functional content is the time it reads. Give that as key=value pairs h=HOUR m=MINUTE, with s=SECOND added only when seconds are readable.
h=1 m=35
